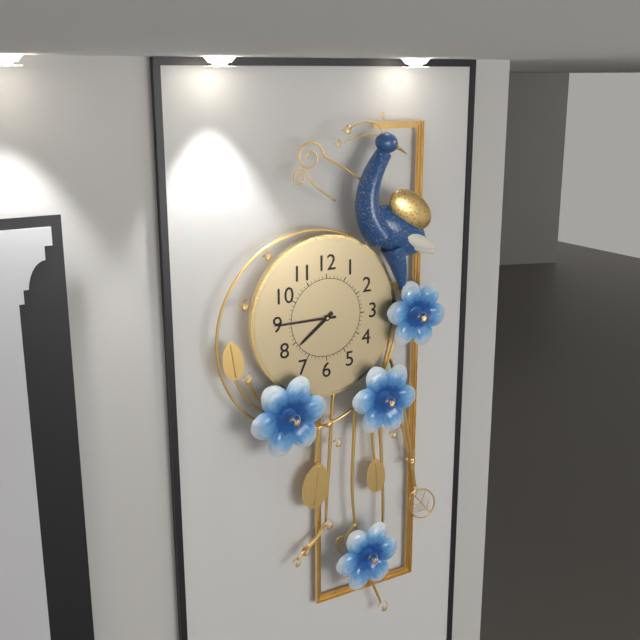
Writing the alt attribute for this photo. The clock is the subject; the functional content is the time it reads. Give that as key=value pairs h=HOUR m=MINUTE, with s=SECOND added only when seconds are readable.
h=7 m=45
